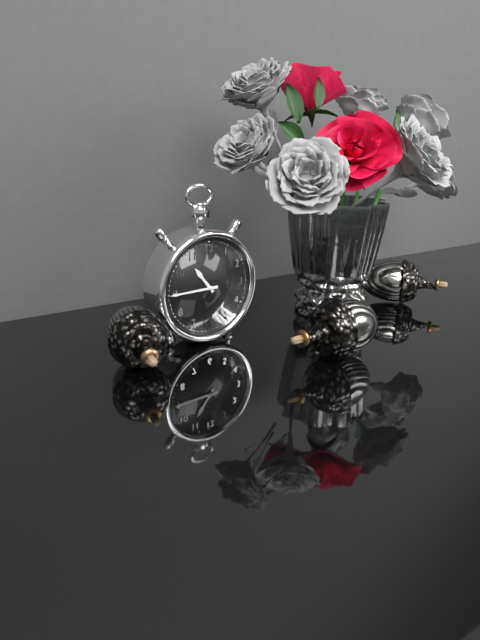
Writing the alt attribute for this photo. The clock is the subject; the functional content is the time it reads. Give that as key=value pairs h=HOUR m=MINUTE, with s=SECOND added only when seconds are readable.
h=10 m=45
